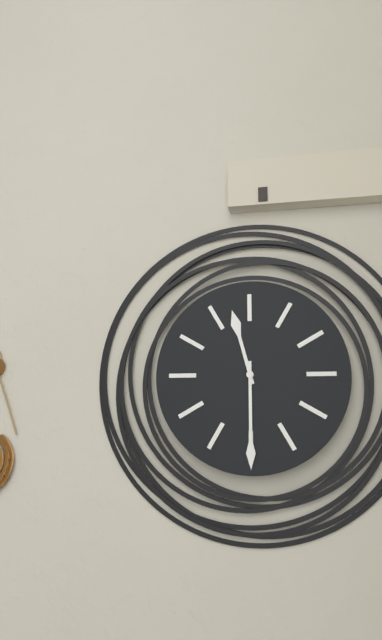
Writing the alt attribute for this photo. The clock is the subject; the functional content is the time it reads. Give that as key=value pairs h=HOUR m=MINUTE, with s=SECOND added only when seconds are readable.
h=11 m=30
